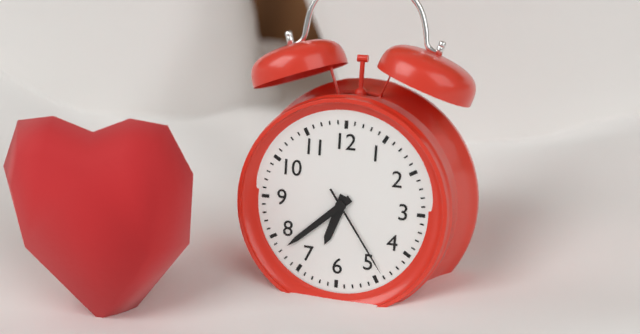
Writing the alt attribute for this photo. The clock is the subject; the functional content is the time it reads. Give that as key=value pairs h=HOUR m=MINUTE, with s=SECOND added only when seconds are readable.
h=6 m=38 s=24
